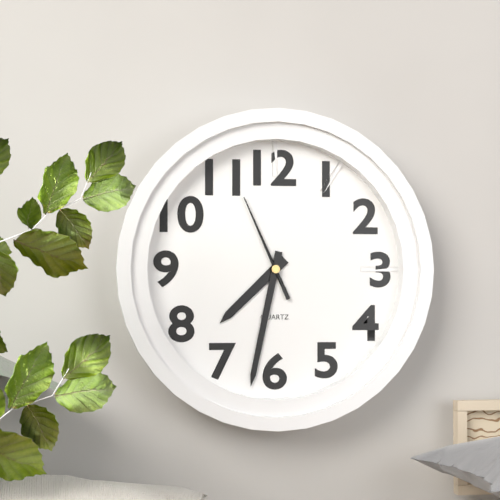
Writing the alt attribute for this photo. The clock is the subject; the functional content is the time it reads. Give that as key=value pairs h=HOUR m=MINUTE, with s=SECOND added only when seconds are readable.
h=7 m=32 s=56
